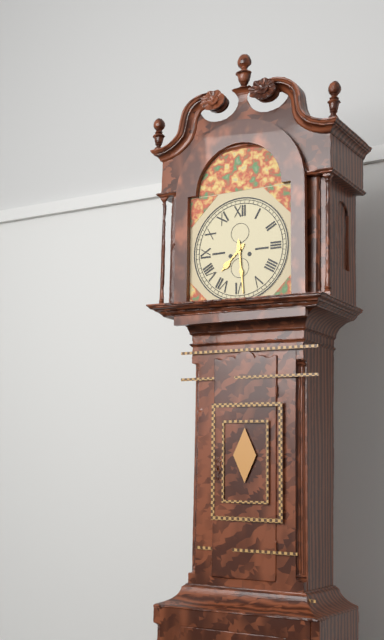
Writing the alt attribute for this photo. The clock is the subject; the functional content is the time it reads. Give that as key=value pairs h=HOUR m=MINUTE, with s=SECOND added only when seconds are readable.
h=7 m=29
